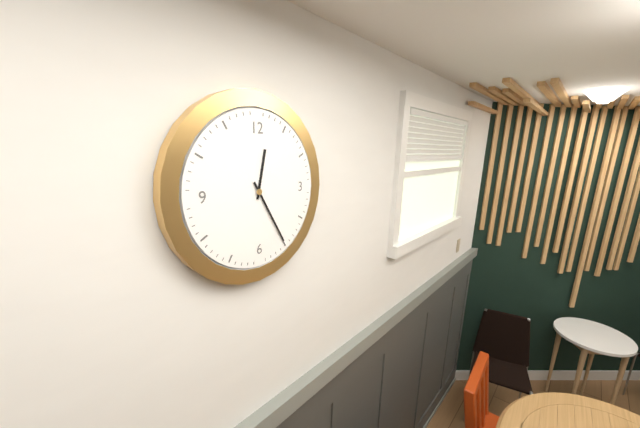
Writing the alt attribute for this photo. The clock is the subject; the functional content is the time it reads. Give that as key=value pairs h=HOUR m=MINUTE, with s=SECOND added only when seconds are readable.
h=12 m=25
